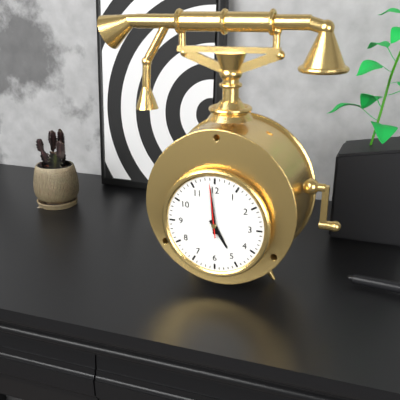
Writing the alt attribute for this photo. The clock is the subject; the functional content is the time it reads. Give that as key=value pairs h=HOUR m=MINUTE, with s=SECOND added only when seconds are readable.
h=4 m=59 s=59
